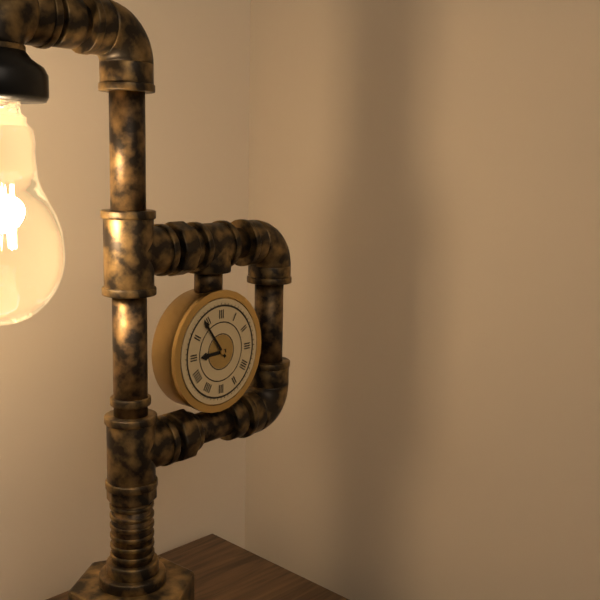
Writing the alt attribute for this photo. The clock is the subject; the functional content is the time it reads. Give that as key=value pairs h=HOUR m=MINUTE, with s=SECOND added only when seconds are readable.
h=8 m=54
